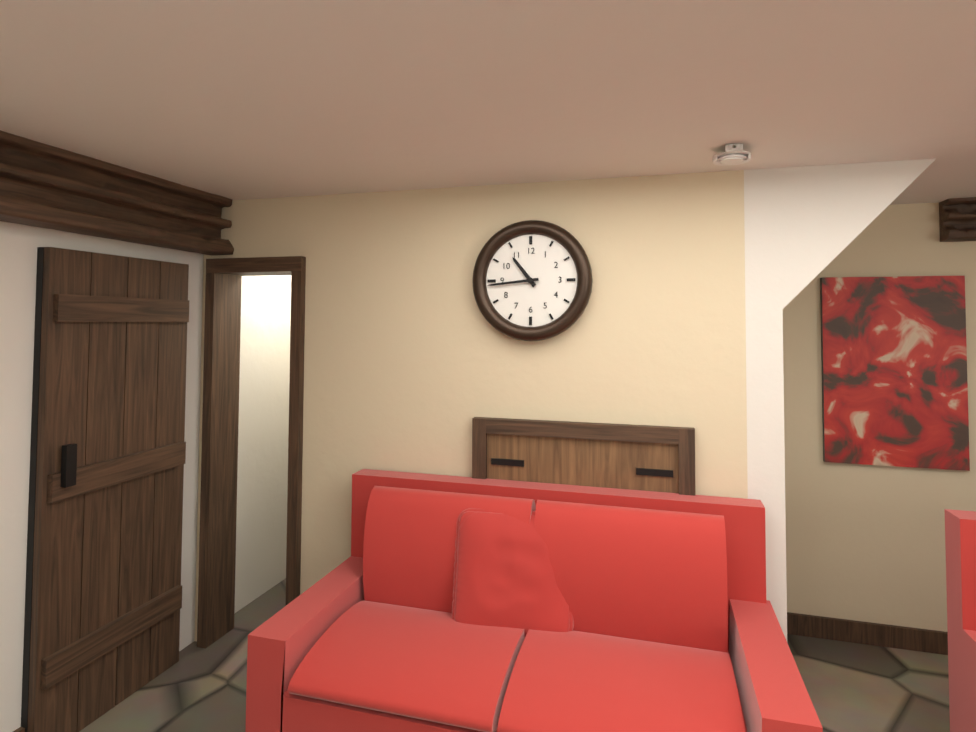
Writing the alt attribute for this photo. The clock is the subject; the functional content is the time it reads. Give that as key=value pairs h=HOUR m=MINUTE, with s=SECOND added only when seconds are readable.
h=10 m=44
